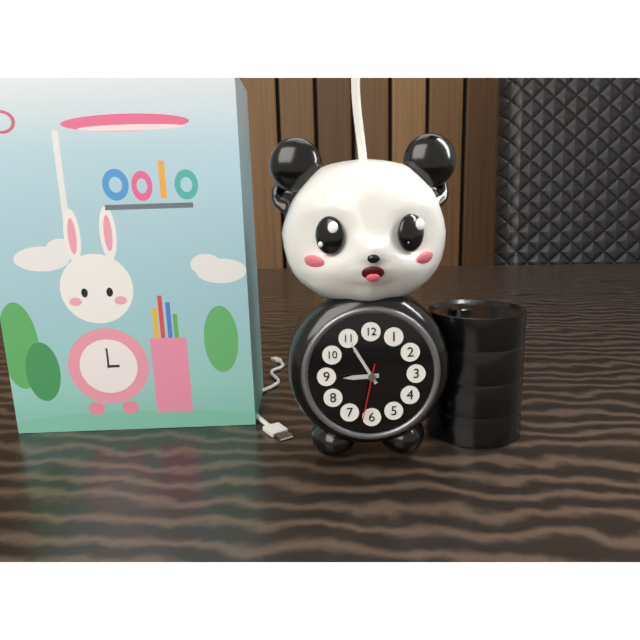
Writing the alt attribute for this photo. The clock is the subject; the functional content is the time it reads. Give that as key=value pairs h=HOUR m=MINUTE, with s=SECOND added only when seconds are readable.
h=8 m=55 s=32
